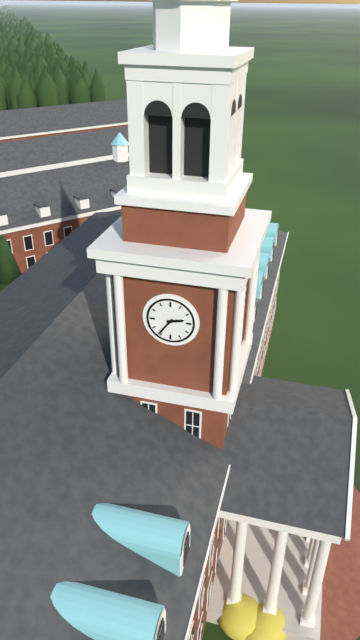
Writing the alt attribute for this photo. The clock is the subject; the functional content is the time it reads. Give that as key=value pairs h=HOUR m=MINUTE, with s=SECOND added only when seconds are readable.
h=2 m=36
